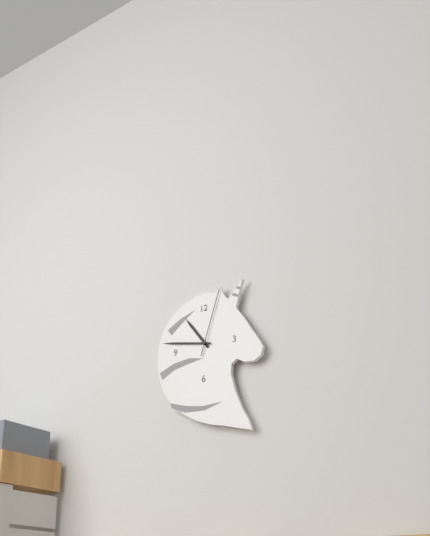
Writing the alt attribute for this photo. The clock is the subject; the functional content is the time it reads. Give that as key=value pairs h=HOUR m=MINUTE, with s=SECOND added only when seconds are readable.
h=10 m=47 s=3
